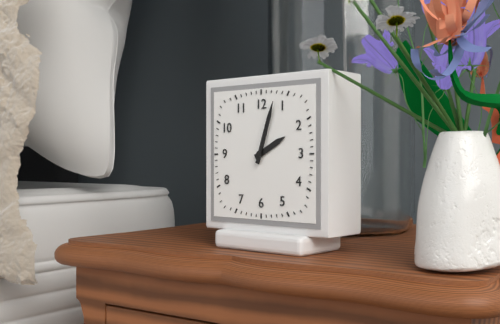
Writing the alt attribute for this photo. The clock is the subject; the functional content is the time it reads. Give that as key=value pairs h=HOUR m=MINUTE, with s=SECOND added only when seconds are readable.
h=2 m=3
